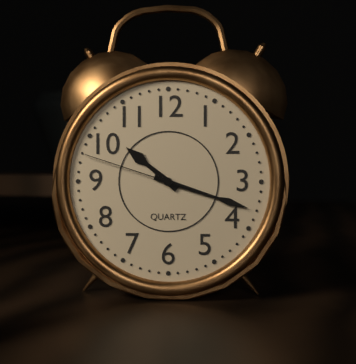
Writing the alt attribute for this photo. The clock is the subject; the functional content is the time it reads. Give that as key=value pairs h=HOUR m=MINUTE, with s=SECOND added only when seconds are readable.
h=10 m=18 s=48
